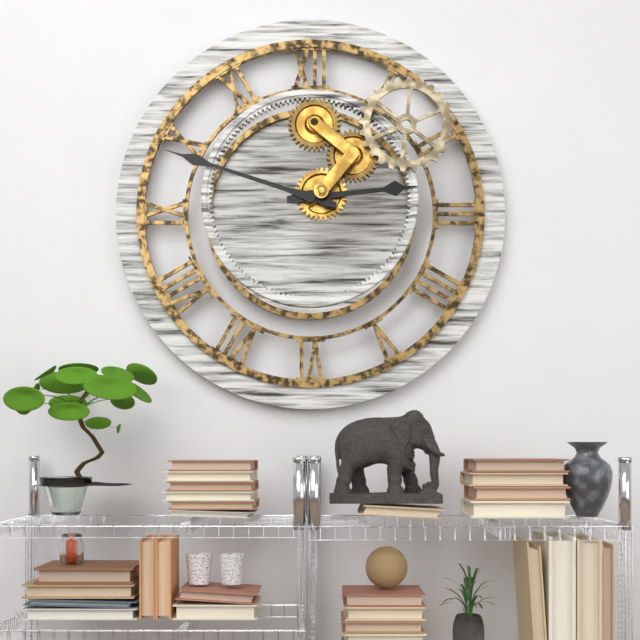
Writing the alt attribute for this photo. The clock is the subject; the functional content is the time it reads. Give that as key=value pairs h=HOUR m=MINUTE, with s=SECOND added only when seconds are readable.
h=2 m=48
